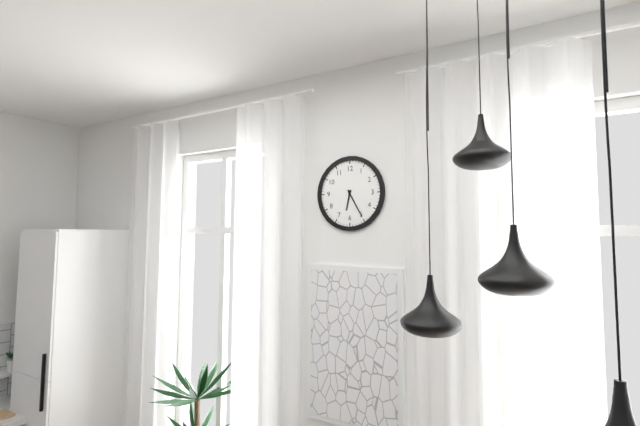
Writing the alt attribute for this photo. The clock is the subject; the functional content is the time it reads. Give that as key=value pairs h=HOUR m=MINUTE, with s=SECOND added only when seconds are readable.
h=6 m=25
